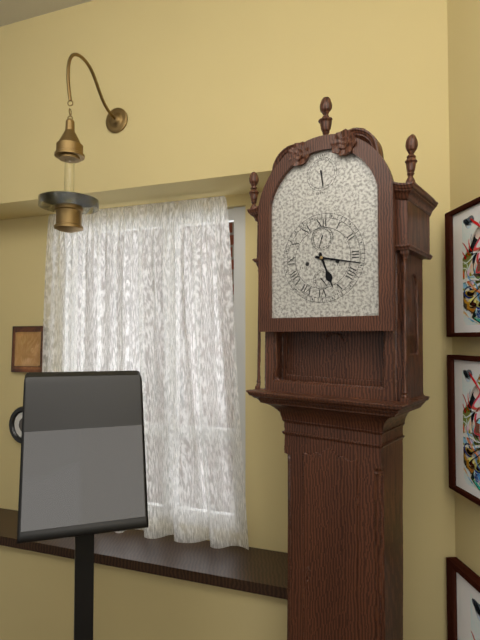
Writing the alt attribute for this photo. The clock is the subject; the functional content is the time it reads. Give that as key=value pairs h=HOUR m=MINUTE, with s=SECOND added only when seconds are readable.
h=5 m=17
